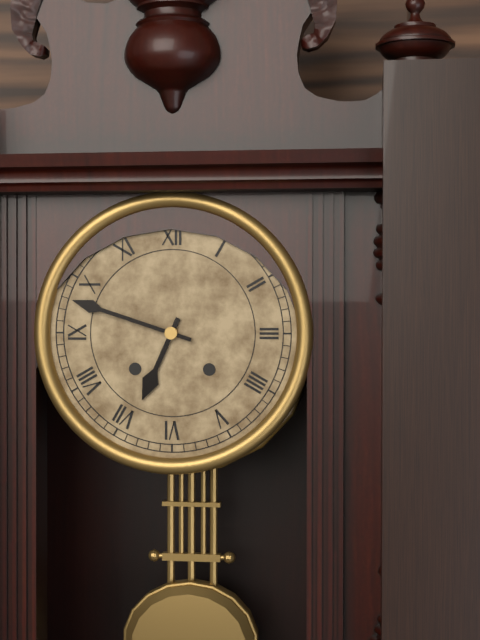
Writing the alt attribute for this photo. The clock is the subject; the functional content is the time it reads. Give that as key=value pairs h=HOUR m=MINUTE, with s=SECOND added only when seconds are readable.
h=6 m=48
